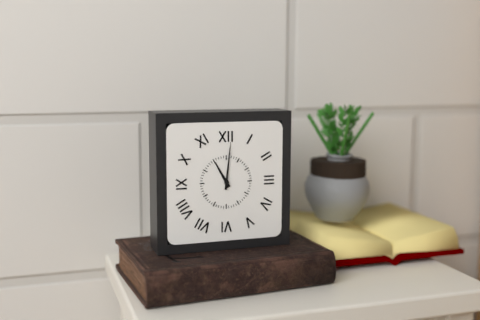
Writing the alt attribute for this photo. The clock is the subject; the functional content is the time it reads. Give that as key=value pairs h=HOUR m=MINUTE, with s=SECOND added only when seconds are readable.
h=11 m=1
